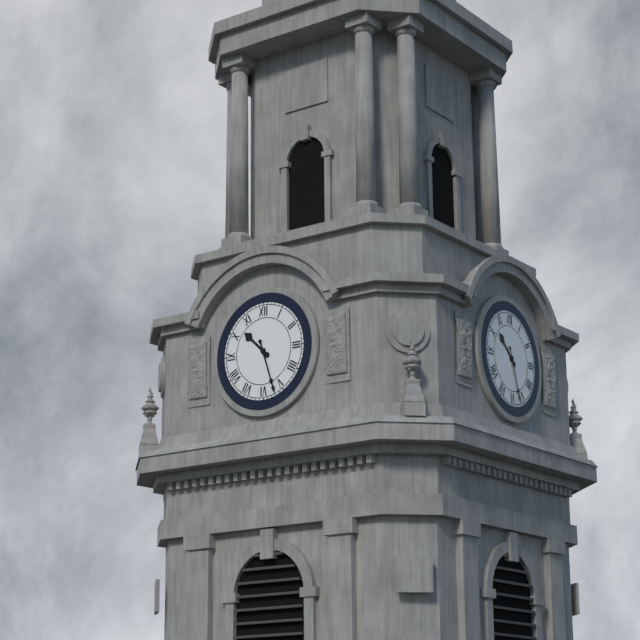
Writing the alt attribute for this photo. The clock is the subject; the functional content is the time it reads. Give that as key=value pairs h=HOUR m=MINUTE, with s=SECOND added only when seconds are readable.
h=10 m=27
